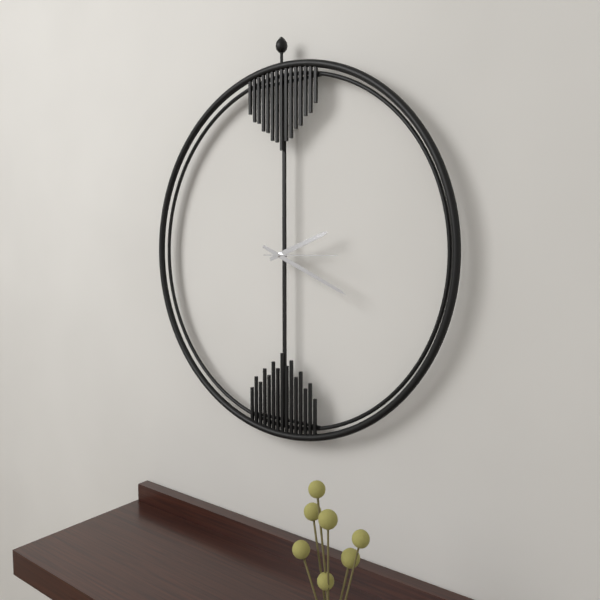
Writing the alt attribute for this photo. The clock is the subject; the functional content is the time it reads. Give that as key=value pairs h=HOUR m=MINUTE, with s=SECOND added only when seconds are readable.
h=2 m=19 s=15
